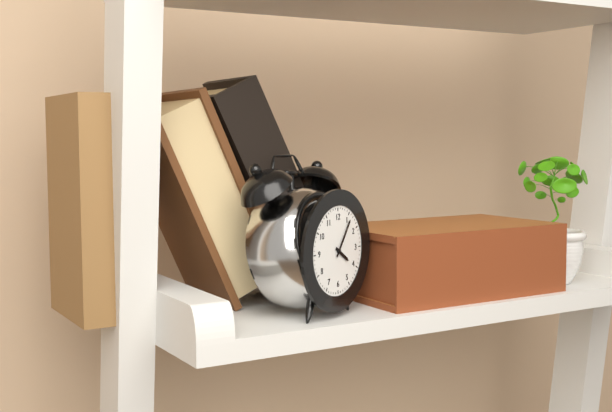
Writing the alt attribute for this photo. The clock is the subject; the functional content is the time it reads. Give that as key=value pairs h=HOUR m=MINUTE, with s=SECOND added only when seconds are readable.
h=4 m=6
